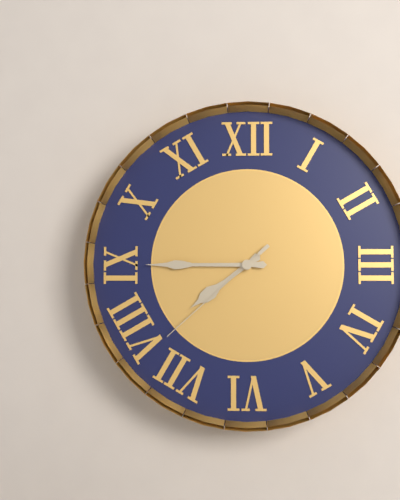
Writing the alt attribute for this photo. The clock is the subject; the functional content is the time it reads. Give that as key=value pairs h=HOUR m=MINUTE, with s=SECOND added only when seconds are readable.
h=7 m=45 s=38
